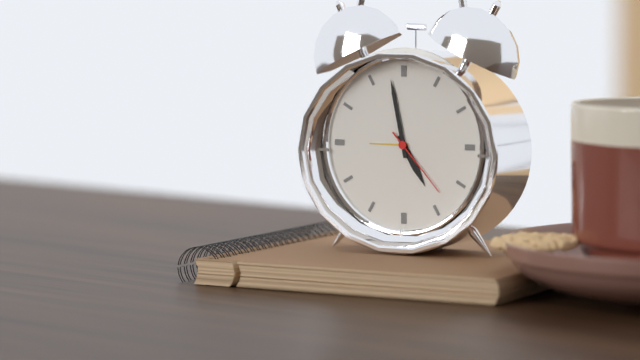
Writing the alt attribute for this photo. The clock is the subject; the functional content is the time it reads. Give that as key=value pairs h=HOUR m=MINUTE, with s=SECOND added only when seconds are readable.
h=4 m=58 s=23
